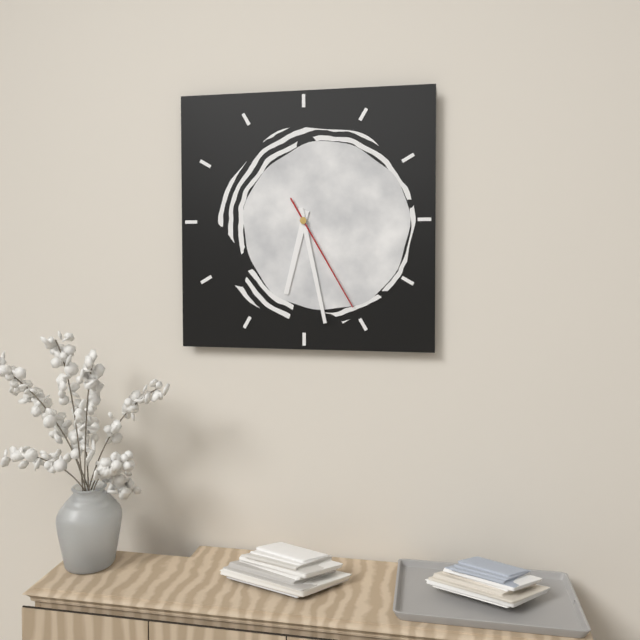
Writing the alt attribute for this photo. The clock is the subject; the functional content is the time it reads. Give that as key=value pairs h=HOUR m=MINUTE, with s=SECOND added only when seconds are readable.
h=6 m=28 s=25
